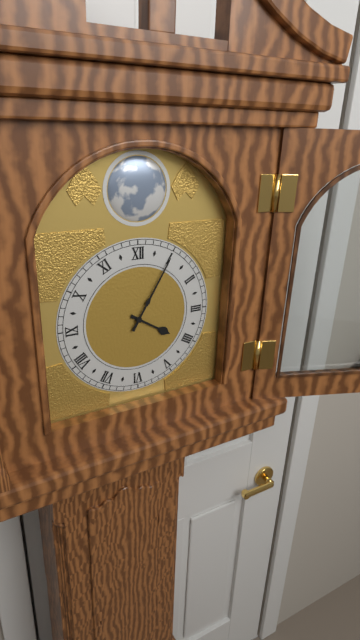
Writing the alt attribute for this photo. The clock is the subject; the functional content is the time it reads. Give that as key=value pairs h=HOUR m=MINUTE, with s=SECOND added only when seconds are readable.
h=4 m=5
